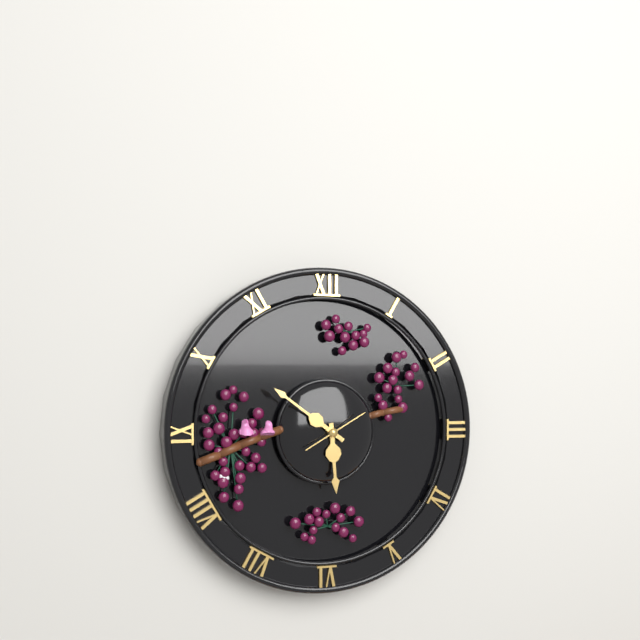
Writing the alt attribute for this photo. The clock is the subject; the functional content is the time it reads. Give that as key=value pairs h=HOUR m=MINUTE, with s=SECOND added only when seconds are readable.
h=5 m=51 s=10
